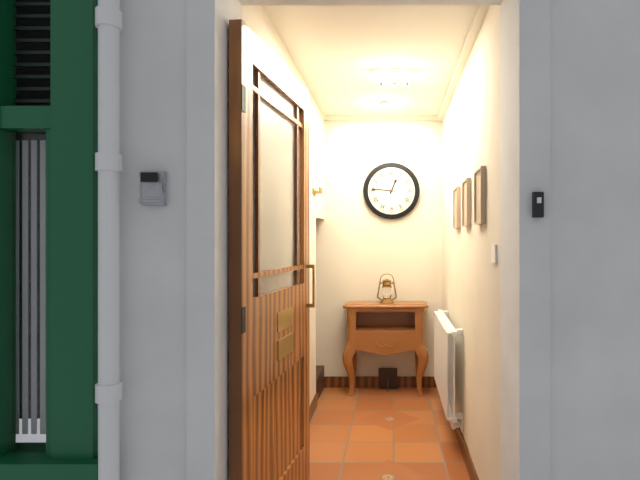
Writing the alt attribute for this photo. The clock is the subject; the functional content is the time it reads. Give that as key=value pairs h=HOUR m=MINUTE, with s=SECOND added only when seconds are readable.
h=12 m=46
